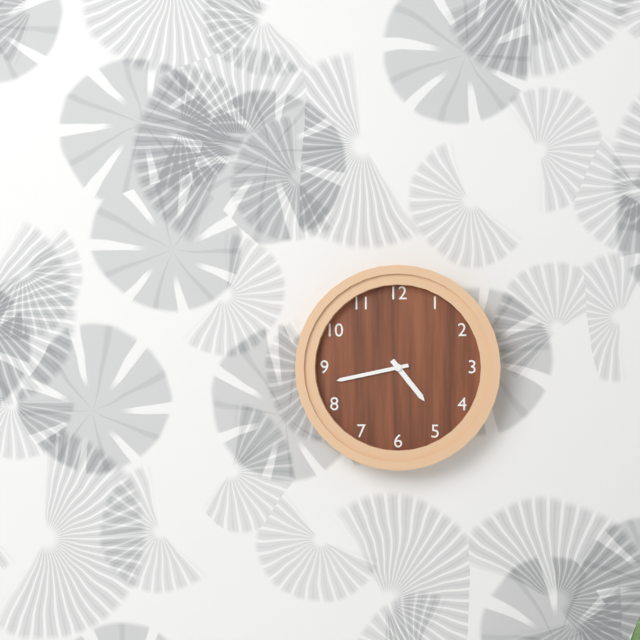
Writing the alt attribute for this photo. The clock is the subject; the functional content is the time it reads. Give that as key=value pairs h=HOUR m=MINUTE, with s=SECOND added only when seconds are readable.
h=4 m=43
